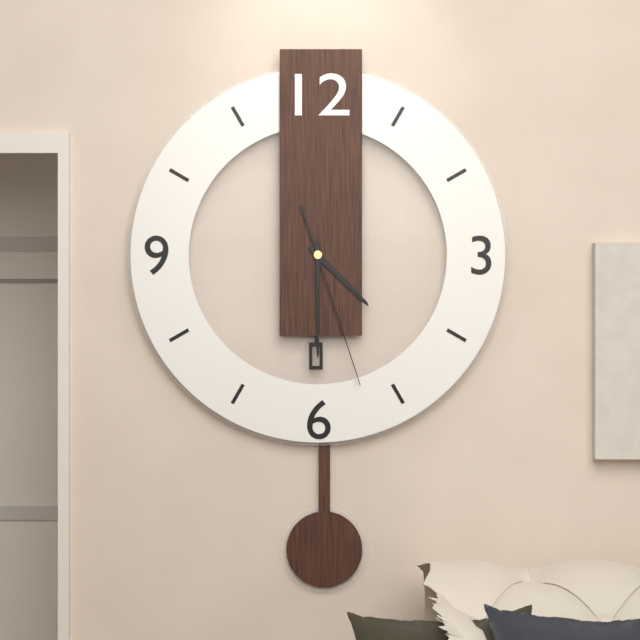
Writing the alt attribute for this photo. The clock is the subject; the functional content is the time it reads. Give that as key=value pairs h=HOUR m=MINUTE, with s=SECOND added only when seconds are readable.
h=4 m=30 s=27
